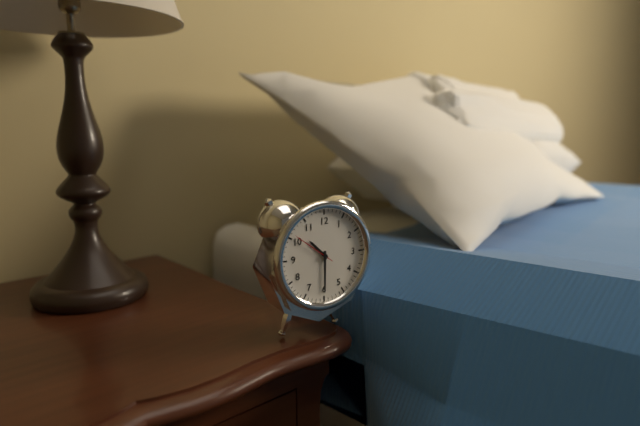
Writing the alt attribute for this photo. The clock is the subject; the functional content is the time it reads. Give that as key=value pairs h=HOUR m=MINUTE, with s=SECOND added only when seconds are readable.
h=10 m=30
